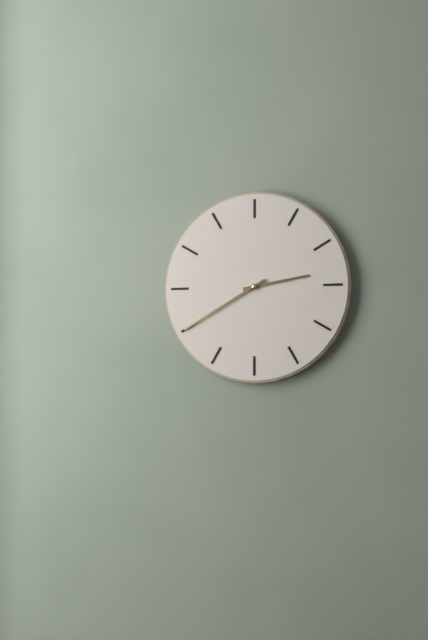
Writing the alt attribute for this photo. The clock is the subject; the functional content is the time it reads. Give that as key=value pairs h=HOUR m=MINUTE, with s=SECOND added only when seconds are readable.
h=2 m=40
